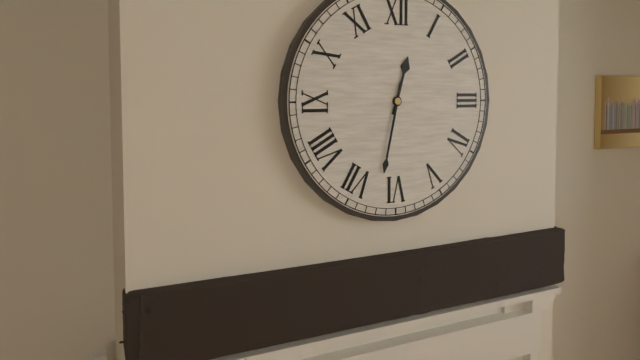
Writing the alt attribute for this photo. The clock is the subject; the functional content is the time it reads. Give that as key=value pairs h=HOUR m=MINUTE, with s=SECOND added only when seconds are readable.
h=12 m=32
